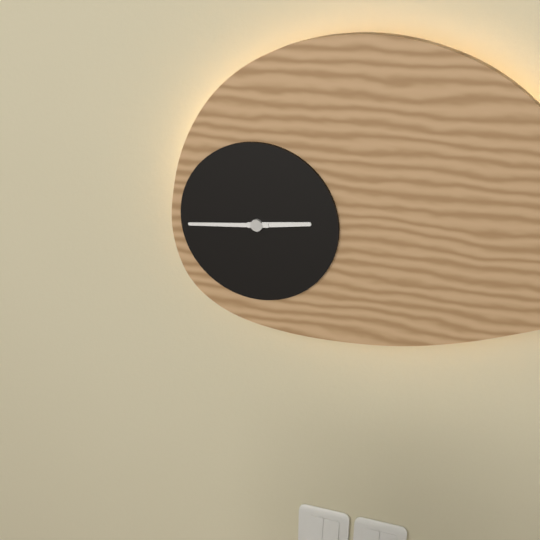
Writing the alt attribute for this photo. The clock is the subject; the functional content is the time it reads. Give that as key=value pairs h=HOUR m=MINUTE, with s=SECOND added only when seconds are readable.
h=2 m=44
